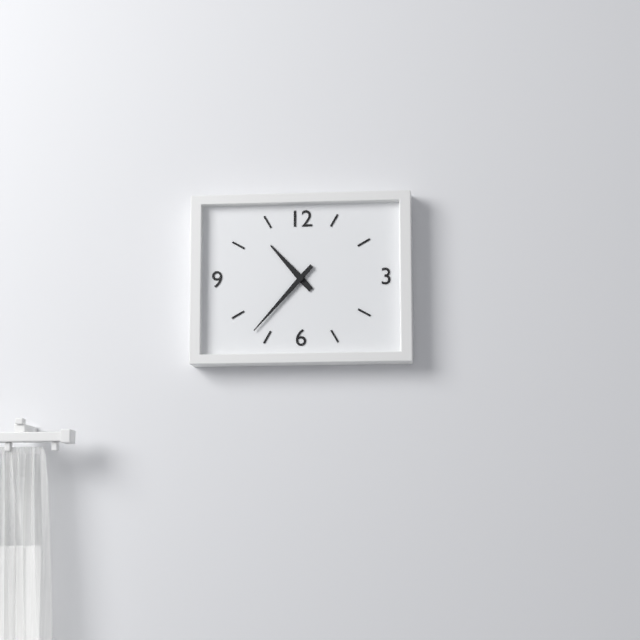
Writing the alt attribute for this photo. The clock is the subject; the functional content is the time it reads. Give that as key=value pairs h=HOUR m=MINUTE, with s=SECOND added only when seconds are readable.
h=10 m=37
